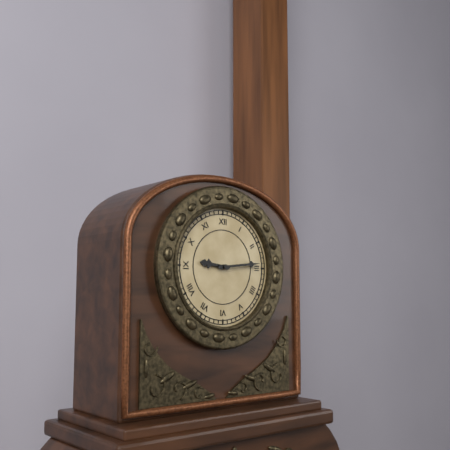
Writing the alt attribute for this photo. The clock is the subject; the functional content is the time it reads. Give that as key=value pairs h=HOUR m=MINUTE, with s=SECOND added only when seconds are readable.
h=9 m=14
